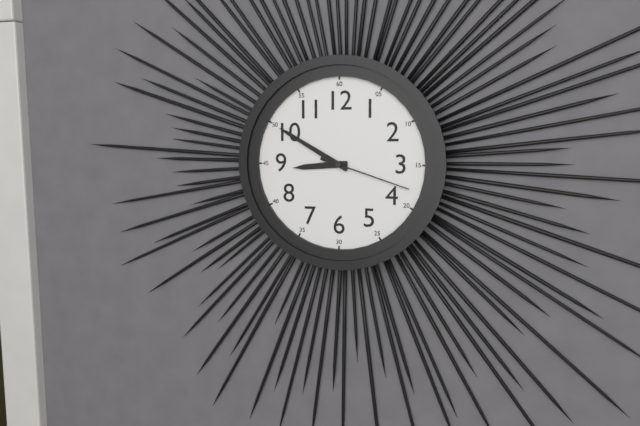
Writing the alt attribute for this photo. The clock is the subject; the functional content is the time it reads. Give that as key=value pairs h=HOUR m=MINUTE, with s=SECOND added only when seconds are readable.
h=8 m=50 s=18
